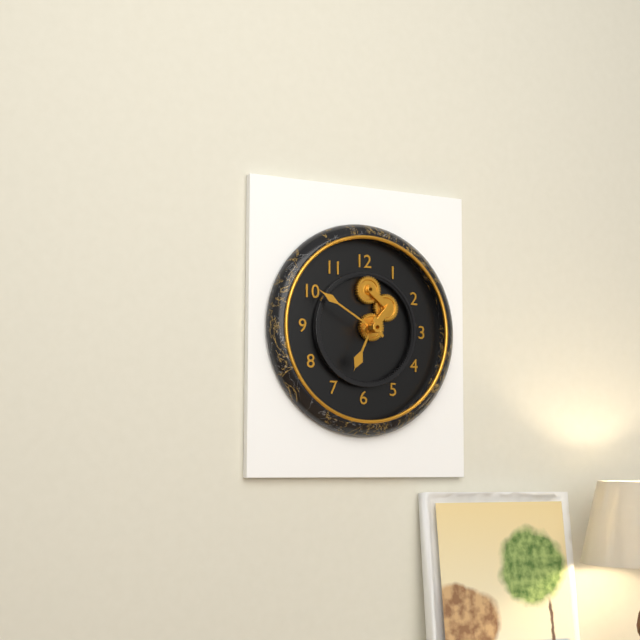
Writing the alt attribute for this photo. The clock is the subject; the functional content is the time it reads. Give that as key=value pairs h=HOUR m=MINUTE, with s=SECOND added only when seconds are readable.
h=6 m=50
